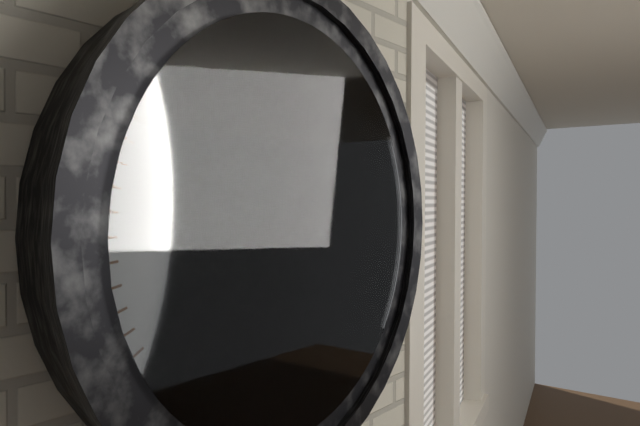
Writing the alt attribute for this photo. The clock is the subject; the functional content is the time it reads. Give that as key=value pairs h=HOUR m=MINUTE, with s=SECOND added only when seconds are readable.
h=12 m=18
